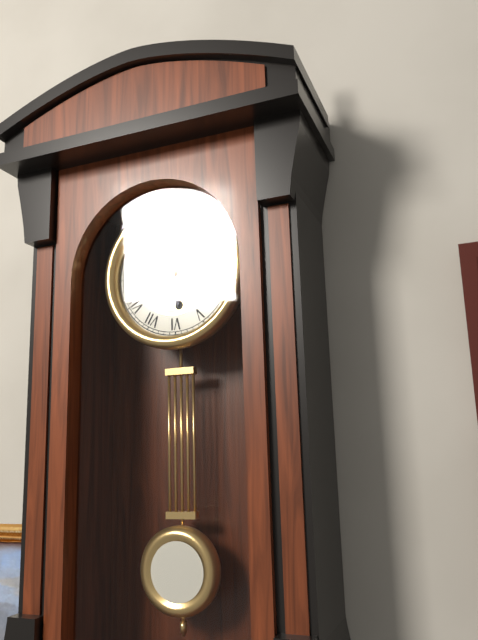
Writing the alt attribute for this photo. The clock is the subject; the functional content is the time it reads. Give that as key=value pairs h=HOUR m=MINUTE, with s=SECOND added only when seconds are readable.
h=5 m=48
